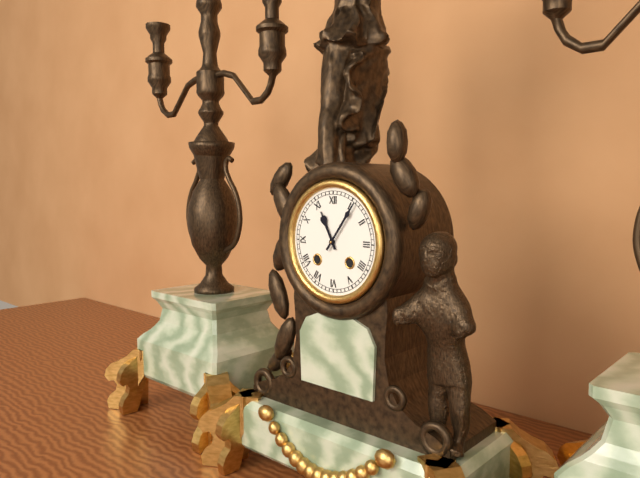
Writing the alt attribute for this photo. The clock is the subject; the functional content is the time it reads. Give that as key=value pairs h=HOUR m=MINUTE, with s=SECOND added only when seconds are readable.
h=11 m=6
